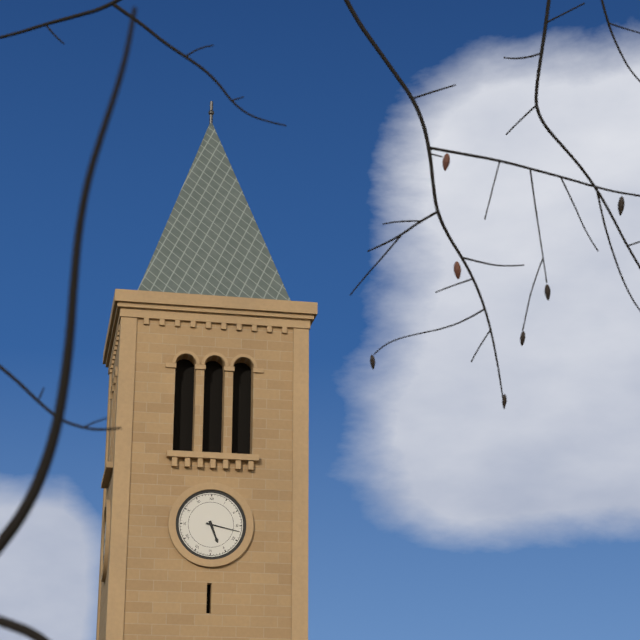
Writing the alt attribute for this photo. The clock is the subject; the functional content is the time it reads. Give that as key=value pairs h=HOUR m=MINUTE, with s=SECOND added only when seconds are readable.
h=5 m=17
